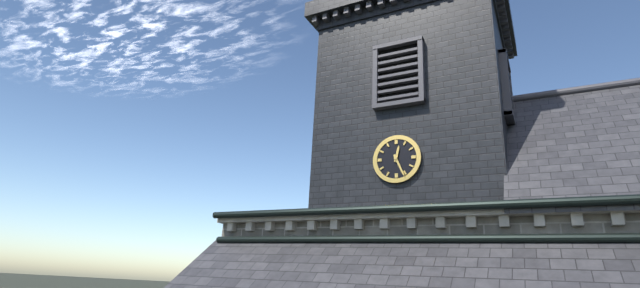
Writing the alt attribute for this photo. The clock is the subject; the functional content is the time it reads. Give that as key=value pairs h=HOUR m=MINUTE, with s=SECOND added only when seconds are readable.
h=12 m=26
